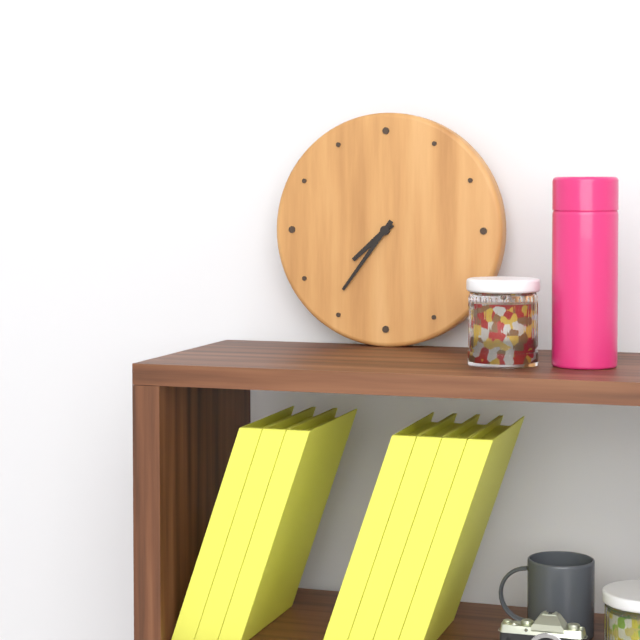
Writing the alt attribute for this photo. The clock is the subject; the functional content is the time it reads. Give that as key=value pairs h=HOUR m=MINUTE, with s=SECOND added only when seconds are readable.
h=7 m=36
